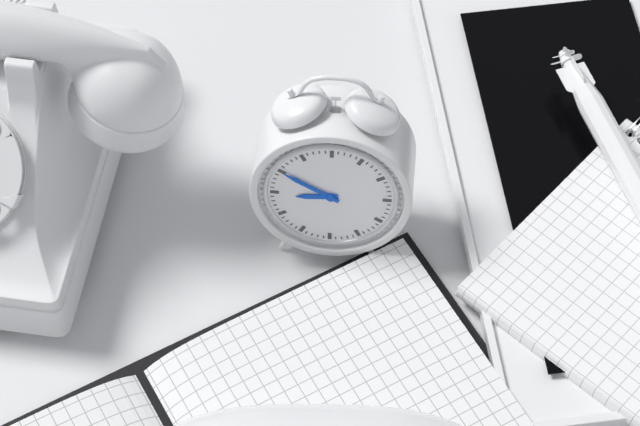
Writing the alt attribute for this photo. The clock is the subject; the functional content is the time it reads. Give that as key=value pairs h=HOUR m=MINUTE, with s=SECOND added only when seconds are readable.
h=8 m=50
